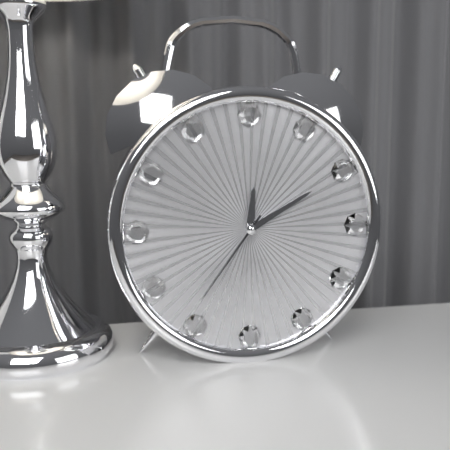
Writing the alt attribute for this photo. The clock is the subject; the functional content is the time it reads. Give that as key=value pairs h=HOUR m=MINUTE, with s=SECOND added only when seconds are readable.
h=12 m=10 s=36
